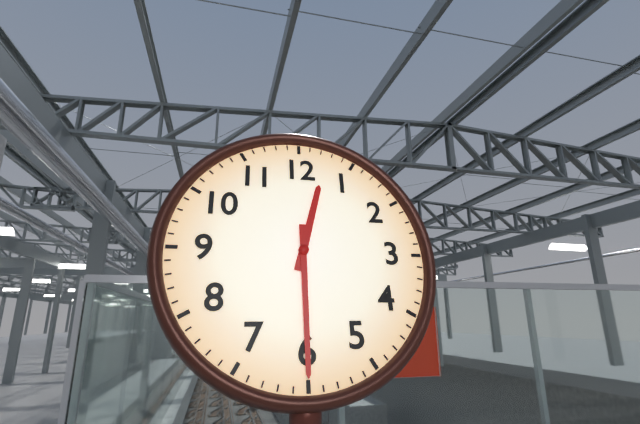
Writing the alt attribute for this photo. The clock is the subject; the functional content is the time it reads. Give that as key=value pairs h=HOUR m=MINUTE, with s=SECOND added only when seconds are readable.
h=12 m=30
